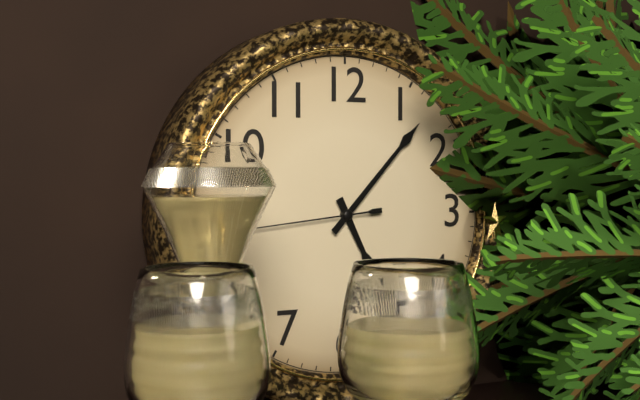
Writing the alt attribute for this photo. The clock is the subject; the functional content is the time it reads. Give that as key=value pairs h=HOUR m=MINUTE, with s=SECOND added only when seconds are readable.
h=5 m=7 s=44
